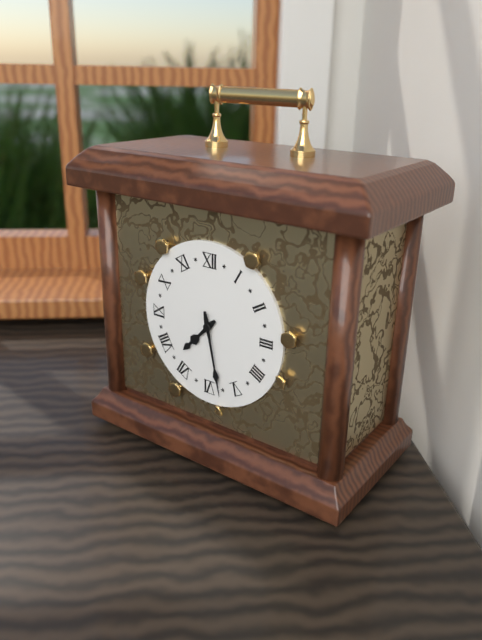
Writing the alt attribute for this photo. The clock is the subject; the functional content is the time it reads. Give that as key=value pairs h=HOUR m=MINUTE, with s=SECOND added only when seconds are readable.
h=7 m=28
